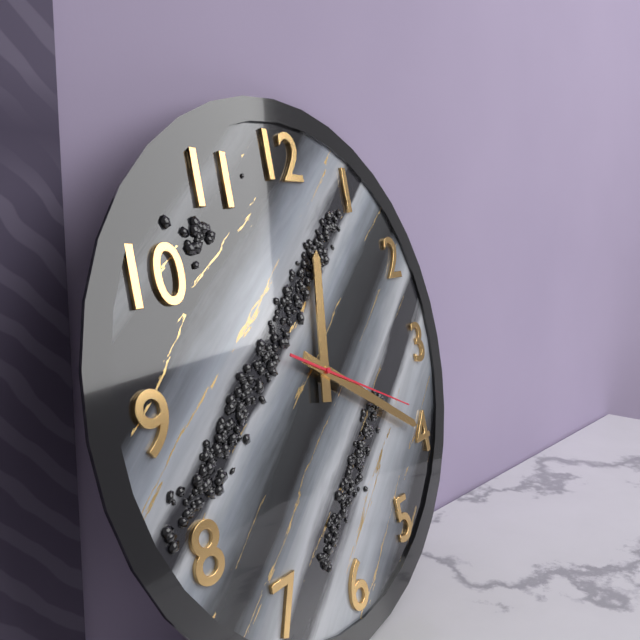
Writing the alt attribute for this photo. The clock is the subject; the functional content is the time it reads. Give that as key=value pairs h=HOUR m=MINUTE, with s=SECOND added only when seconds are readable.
h=12 m=20 s=19
